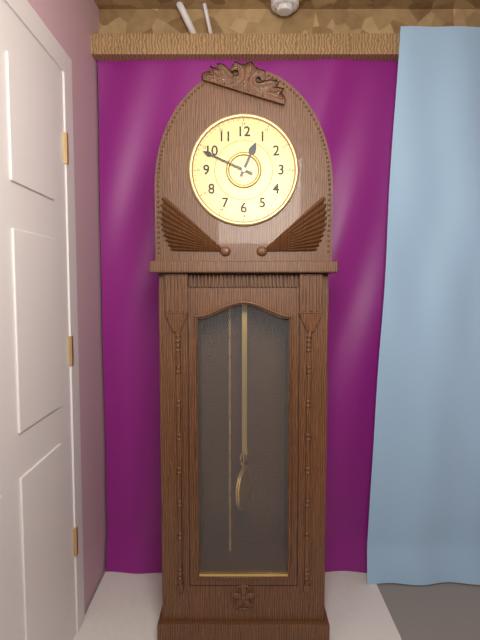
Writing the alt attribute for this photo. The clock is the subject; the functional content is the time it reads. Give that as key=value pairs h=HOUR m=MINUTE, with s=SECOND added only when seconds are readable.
h=12 m=49
